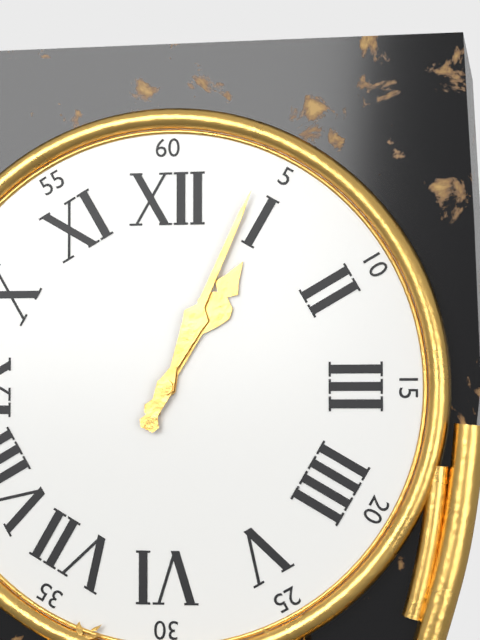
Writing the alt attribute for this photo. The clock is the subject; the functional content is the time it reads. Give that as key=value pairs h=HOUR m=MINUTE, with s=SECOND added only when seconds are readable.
h=1 m=4
